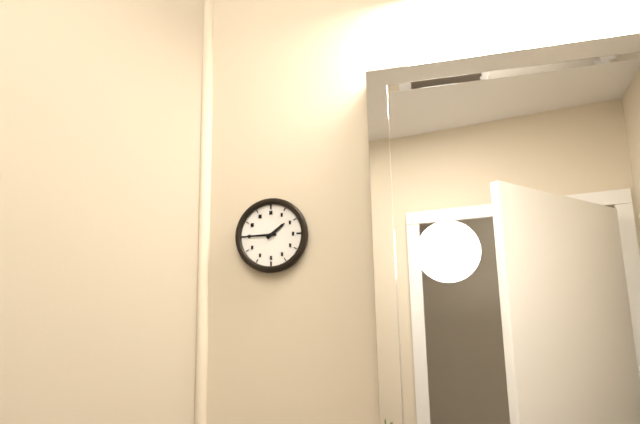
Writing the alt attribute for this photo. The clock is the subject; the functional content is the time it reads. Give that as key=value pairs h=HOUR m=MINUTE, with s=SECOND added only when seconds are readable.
h=1 m=45
